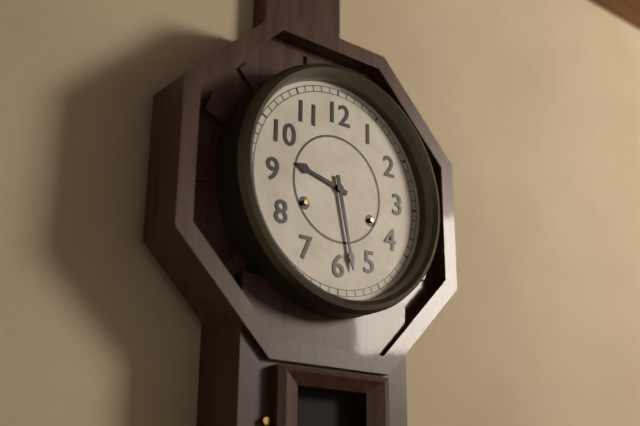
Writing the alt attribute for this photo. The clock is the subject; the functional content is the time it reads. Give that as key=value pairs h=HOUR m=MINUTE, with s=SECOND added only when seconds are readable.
h=9 m=28
